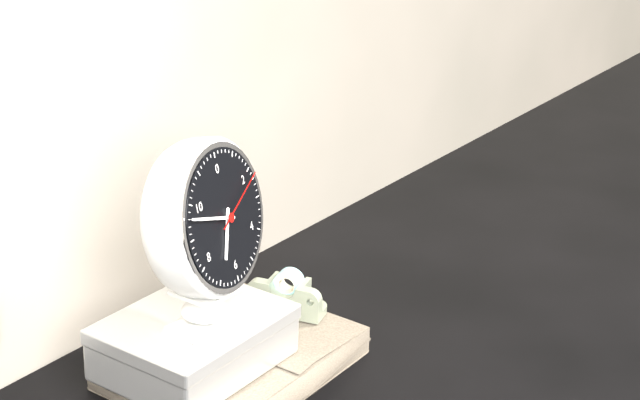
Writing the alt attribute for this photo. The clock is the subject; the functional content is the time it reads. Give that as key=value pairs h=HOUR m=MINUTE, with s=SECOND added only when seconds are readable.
h=6 m=48 s=11
